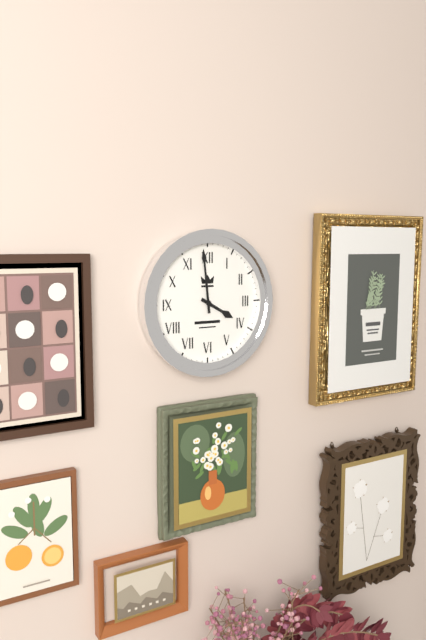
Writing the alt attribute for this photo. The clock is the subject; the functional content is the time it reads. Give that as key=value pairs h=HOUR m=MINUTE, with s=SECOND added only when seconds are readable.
h=3 m=59
